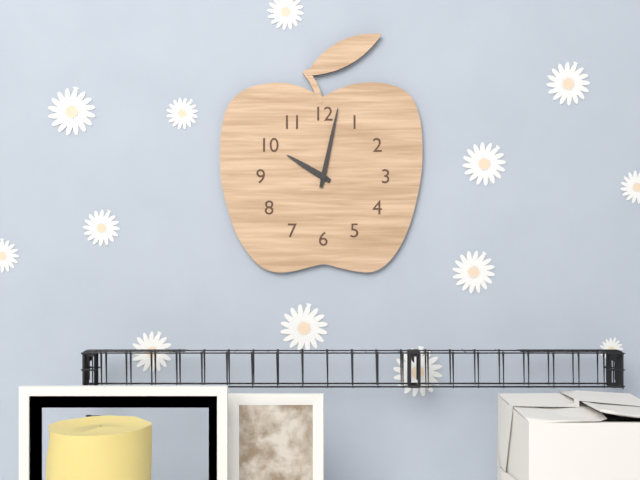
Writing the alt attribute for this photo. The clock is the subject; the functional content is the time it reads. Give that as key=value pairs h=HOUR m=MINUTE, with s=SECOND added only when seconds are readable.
h=10 m=2
